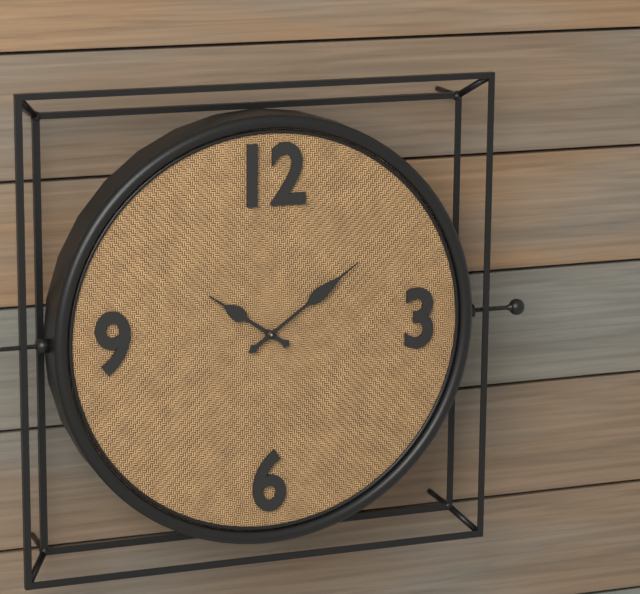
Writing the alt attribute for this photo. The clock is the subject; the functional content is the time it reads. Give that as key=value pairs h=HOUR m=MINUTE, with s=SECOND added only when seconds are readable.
h=10 m=9
